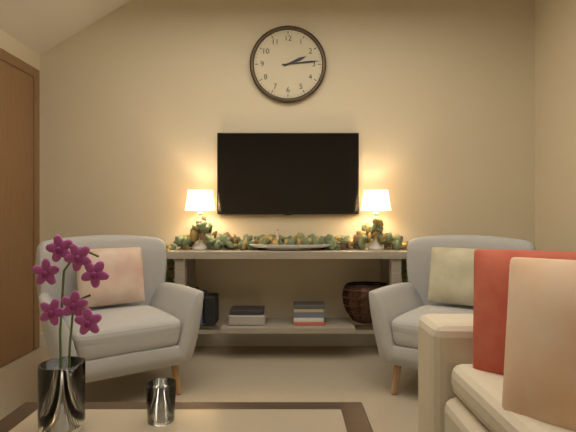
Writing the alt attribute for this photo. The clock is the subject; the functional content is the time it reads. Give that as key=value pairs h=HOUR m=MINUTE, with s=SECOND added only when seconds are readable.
h=2 m=14
